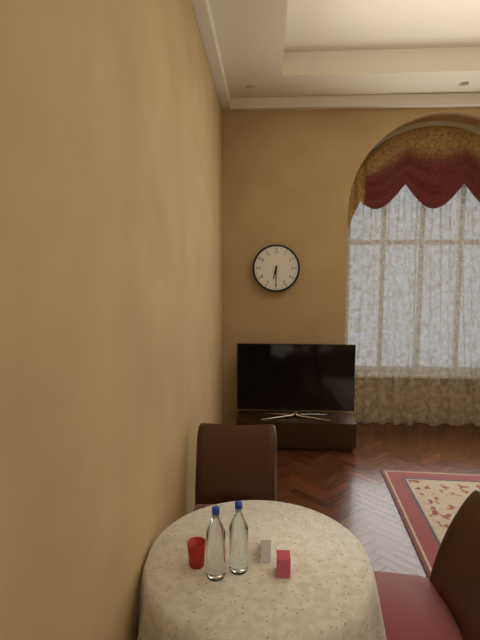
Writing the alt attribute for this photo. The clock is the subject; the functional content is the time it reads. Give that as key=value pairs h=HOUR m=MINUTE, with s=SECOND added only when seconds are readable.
h=6 m=30
